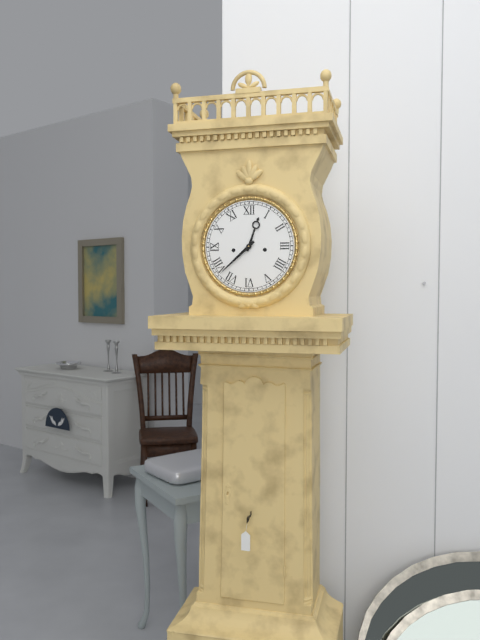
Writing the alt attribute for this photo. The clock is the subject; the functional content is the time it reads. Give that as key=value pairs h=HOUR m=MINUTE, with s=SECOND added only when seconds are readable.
h=12 m=38
